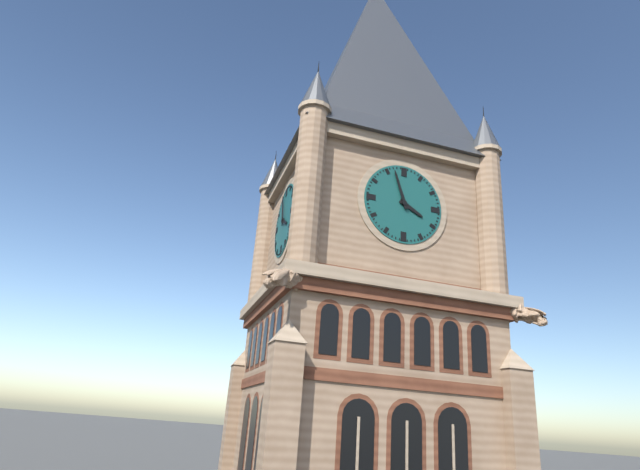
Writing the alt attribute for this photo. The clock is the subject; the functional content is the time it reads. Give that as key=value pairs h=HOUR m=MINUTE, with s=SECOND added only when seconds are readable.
h=3 m=57
